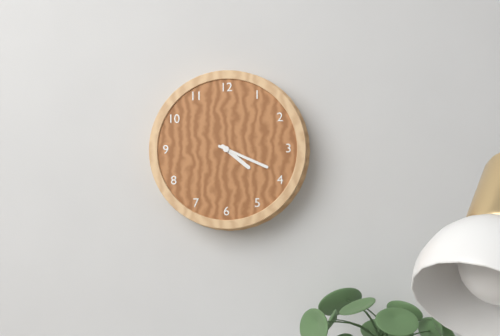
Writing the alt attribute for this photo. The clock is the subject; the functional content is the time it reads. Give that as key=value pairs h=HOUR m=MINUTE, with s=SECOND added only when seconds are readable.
h=4 m=19
